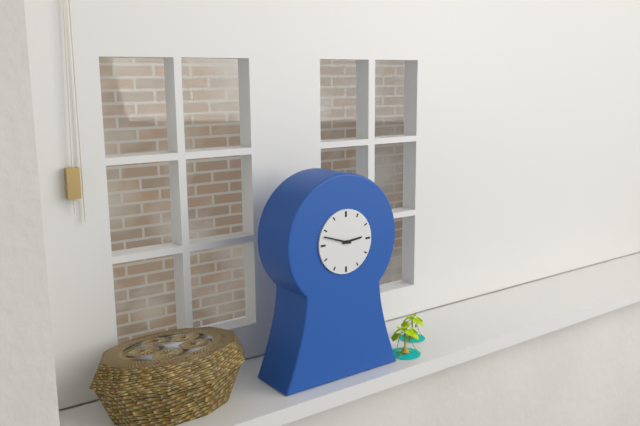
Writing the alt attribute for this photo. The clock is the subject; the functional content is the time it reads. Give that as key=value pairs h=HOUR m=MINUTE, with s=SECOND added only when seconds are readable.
h=2 m=48
